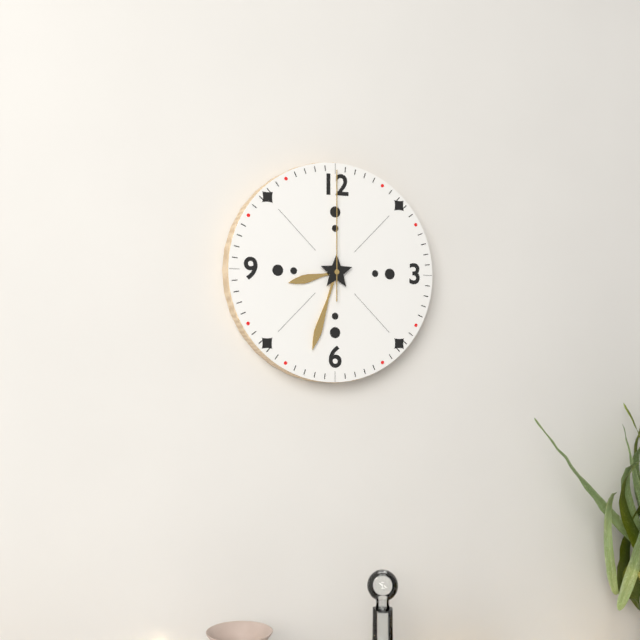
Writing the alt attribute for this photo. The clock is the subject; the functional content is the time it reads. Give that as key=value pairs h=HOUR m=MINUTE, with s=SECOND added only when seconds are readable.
h=8 m=33 s=0
